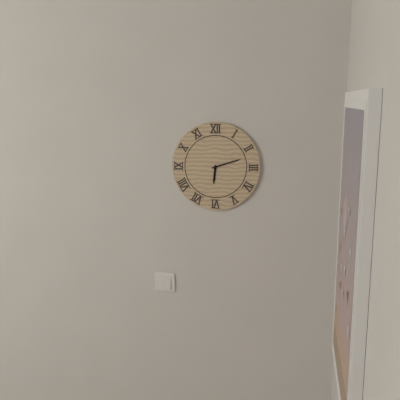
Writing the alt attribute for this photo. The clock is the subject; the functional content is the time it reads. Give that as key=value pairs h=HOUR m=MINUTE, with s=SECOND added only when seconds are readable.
h=6 m=12
